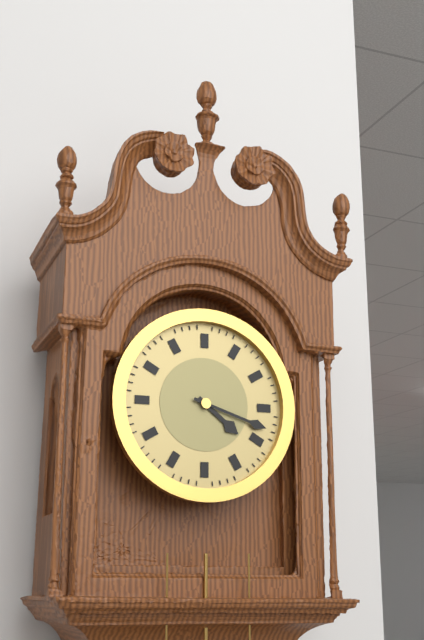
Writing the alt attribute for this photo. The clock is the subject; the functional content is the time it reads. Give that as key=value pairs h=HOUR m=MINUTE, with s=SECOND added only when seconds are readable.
h=4 m=18
